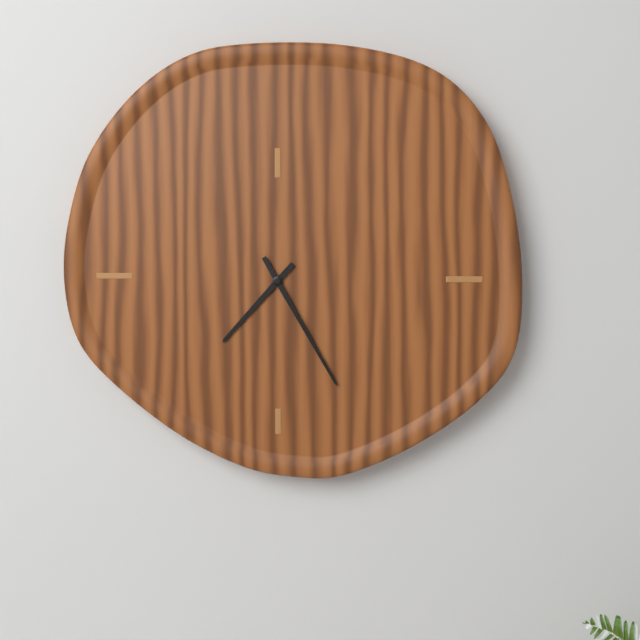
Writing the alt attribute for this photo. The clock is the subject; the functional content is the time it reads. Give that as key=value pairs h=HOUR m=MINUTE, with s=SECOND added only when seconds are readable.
h=7 m=25
